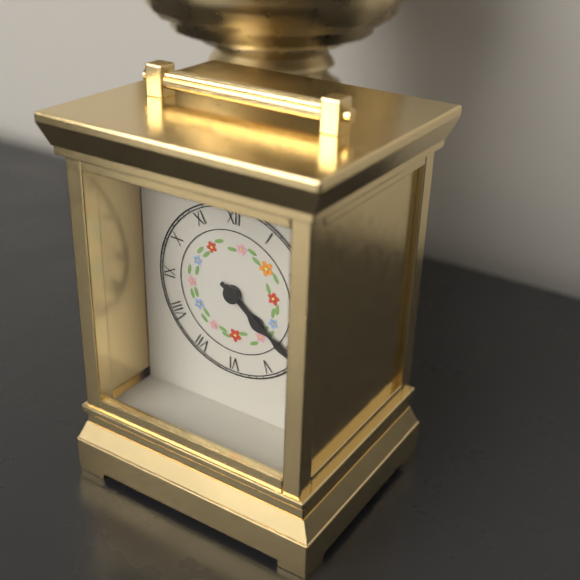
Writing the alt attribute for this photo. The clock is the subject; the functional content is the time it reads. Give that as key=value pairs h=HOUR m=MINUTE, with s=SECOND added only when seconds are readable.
h=4 m=21
